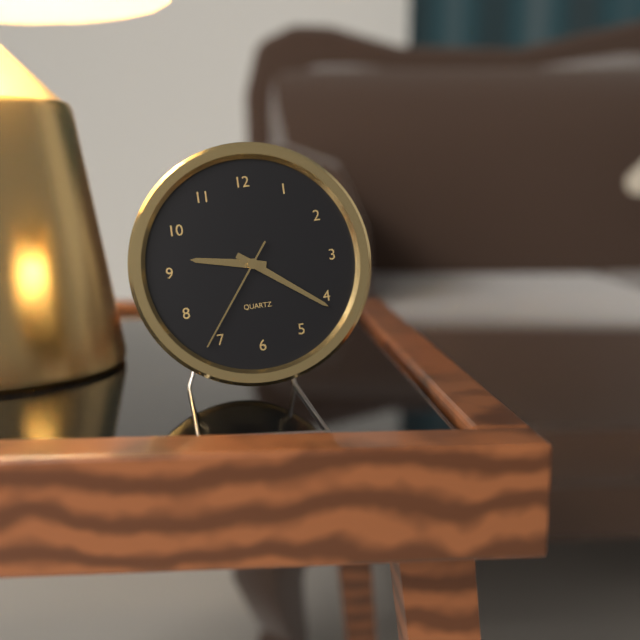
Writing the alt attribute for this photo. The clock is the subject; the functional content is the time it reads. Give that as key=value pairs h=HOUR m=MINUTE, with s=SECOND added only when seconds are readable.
h=9 m=21 s=36
